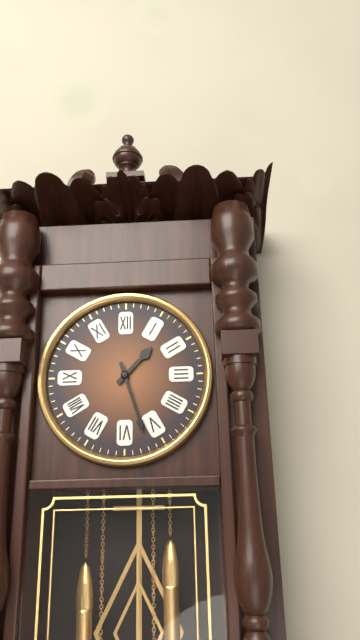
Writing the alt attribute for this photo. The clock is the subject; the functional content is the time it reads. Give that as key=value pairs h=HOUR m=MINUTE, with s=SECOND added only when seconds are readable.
h=1 m=27
